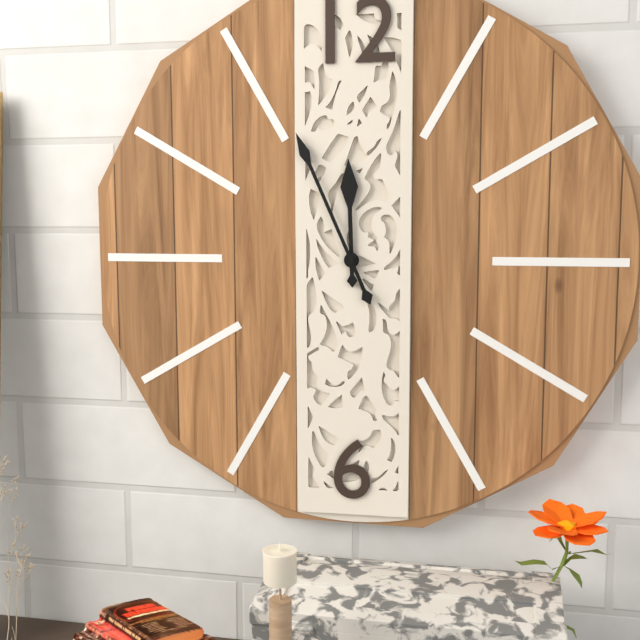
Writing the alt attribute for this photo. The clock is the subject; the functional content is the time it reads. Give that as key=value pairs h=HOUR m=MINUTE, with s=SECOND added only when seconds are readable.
h=11 m=56
